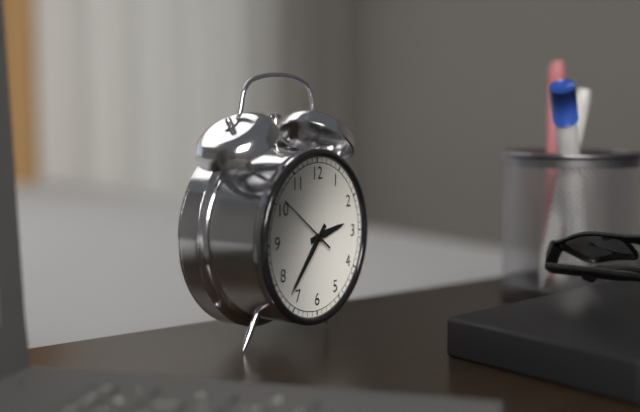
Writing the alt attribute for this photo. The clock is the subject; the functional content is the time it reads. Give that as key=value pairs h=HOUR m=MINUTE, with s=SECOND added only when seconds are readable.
h=2 m=37 s=51
